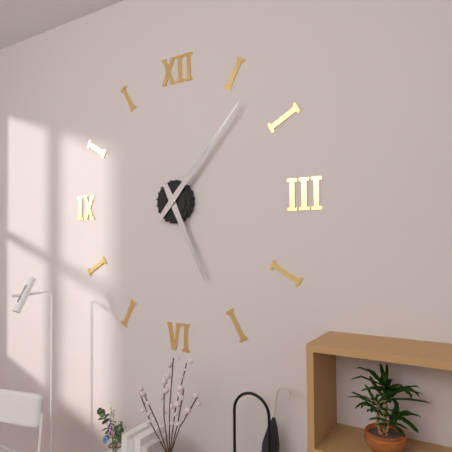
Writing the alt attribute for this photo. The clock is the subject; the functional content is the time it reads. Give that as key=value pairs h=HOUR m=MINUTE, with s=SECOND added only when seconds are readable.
h=5 m=7
